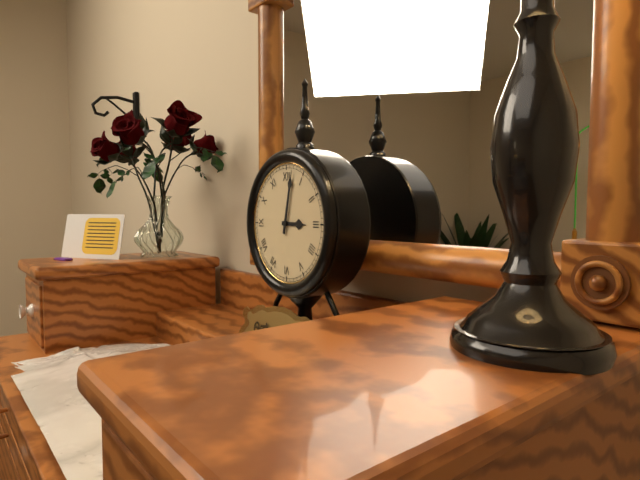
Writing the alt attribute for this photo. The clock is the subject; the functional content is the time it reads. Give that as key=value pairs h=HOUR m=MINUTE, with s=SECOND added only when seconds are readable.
h=3 m=2
